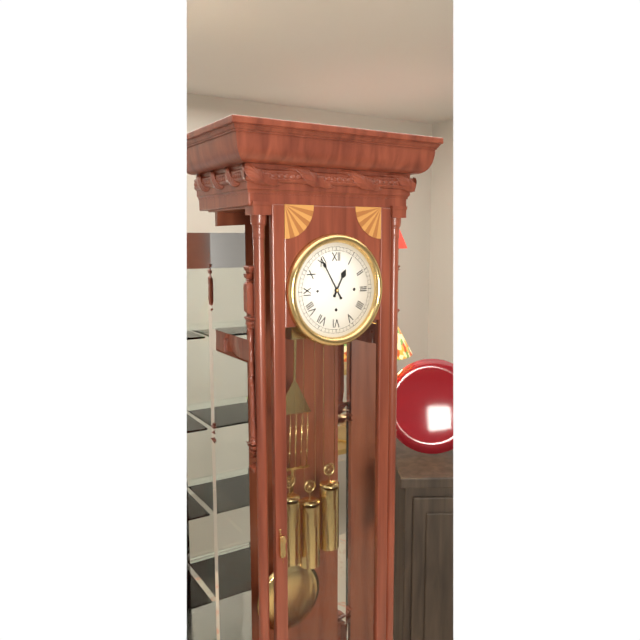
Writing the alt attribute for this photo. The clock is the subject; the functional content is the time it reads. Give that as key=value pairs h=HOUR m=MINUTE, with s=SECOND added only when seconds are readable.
h=12 m=55
